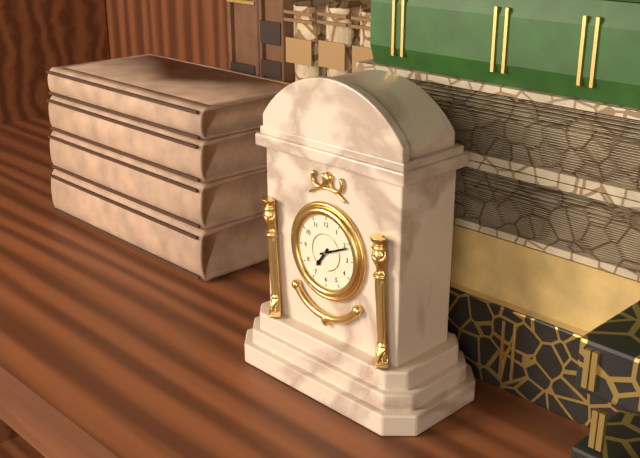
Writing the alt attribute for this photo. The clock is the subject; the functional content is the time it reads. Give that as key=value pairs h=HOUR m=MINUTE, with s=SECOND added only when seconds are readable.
h=7 m=11
